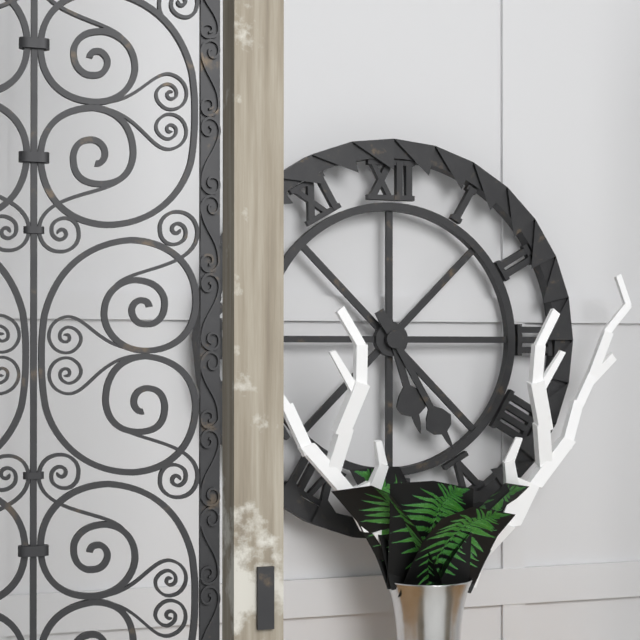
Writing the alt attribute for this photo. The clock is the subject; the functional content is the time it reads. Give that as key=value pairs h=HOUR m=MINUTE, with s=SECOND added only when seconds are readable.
h=5 m=25
